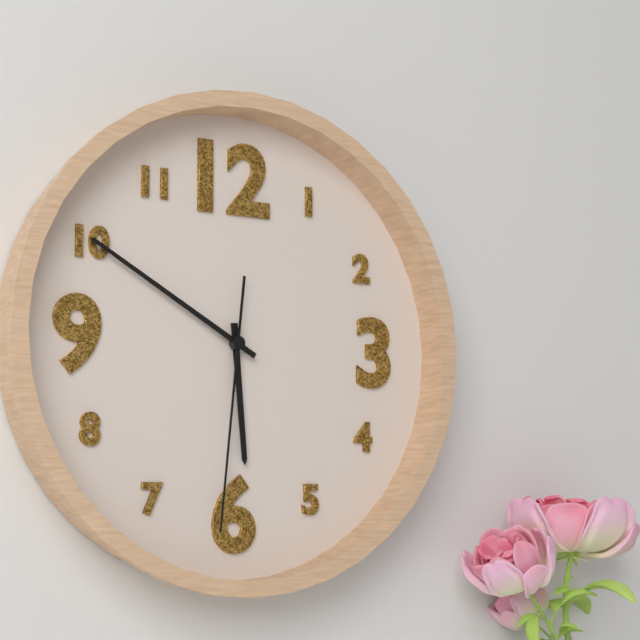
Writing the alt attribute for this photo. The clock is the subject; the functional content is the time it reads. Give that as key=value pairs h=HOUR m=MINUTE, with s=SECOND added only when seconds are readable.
h=5 m=50 s=31
